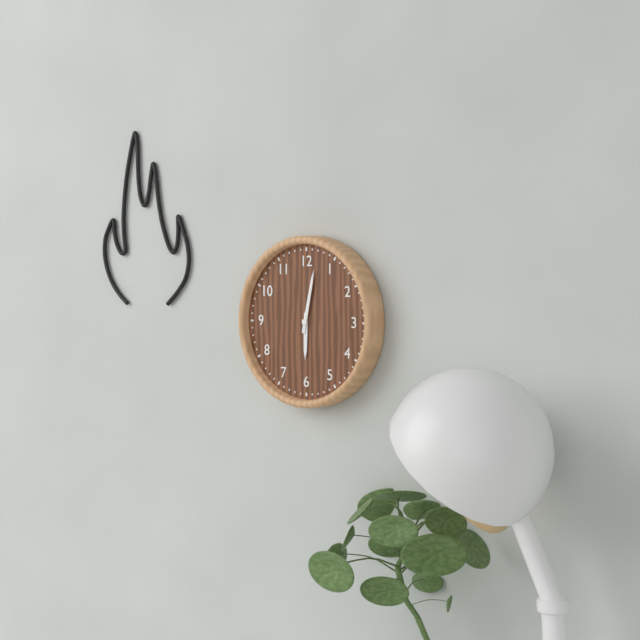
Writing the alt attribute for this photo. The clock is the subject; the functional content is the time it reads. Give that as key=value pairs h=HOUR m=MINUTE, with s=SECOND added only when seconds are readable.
h=6 m=2
